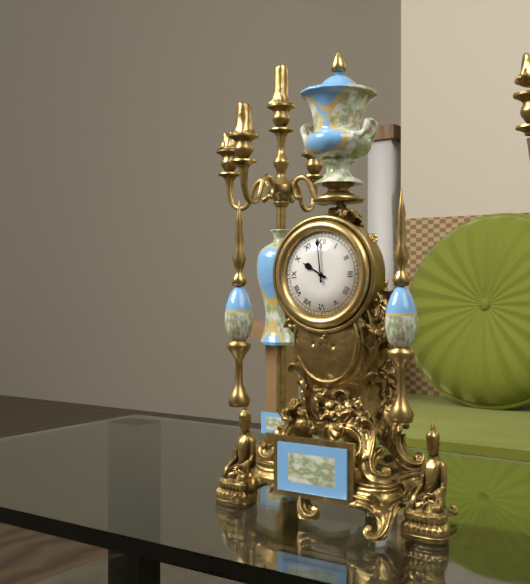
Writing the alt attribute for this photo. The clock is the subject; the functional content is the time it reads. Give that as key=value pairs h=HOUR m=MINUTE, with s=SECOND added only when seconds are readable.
h=9 m=59
